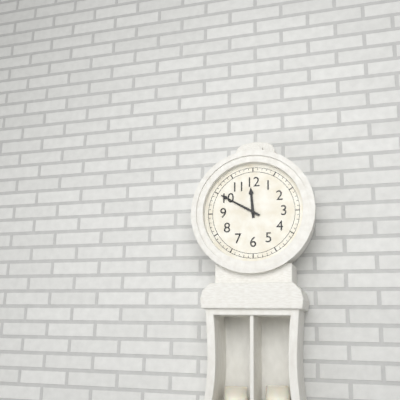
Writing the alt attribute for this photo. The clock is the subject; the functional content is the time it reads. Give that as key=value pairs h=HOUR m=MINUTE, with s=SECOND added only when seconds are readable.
h=11 m=50
